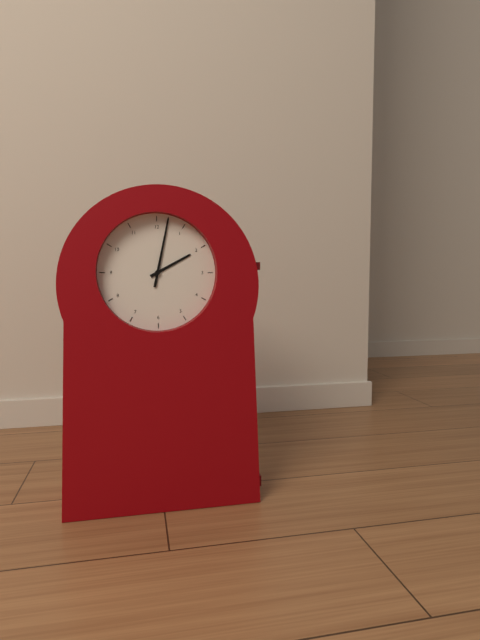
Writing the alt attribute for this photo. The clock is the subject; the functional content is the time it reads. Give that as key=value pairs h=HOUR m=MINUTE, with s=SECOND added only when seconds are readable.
h=2 m=2
